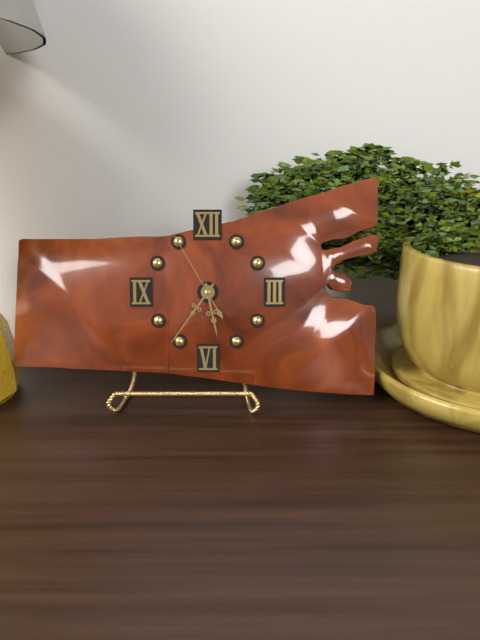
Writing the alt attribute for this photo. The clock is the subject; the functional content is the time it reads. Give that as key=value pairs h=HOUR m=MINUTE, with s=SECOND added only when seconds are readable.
h=5 m=36 s=55
